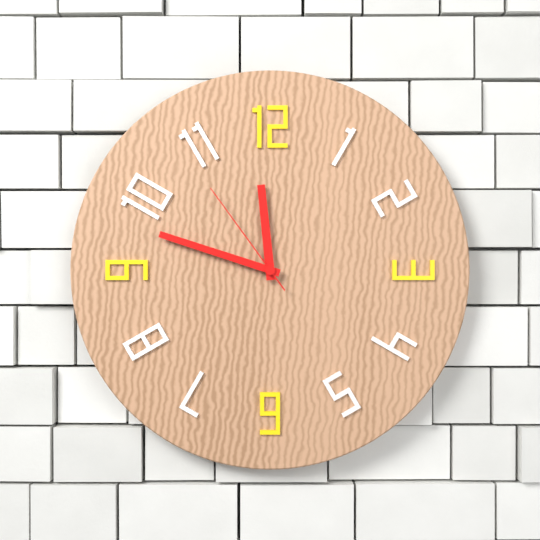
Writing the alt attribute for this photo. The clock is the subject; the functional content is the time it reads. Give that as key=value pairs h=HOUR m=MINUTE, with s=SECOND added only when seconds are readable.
h=11 m=48 s=54
